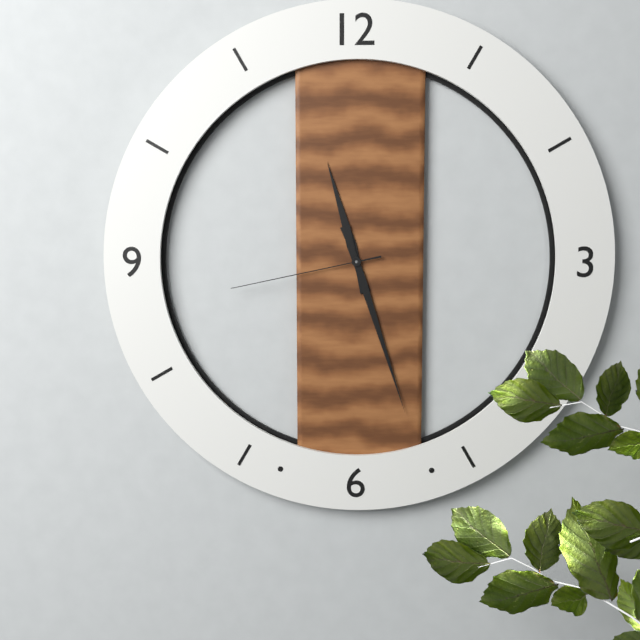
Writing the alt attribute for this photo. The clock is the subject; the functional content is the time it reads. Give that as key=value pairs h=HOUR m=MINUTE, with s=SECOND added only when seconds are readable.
h=11 m=27 s=43
